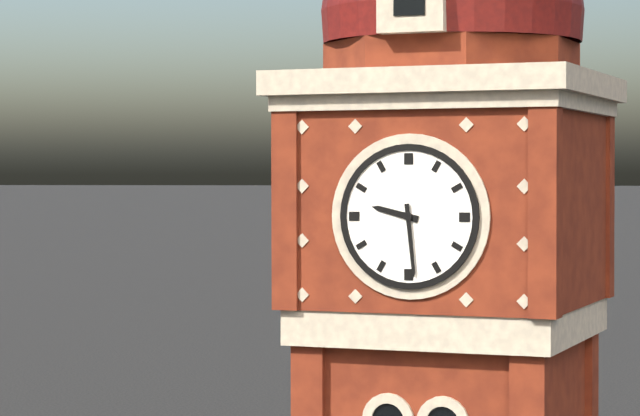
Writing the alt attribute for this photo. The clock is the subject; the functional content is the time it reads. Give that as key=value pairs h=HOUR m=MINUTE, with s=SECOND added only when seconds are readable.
h=9 m=29
